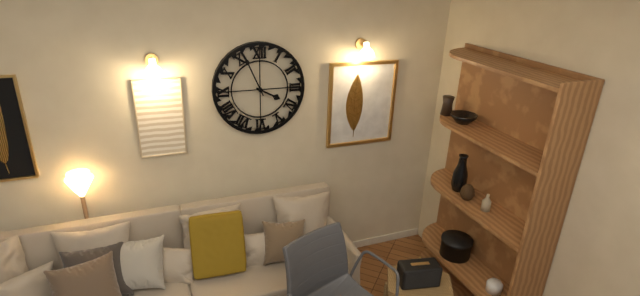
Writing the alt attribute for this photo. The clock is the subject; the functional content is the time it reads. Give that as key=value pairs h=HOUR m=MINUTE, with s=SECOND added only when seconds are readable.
h=3 m=56
